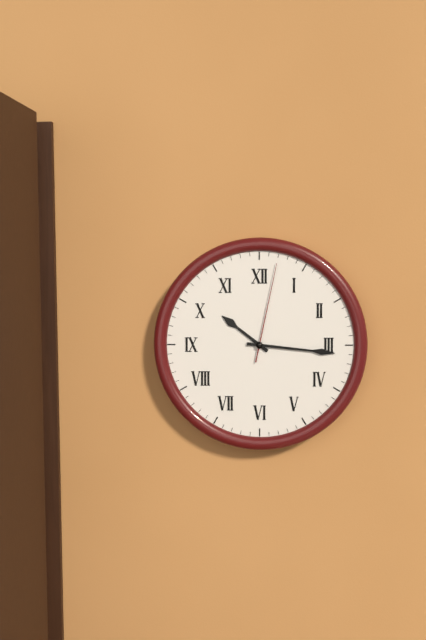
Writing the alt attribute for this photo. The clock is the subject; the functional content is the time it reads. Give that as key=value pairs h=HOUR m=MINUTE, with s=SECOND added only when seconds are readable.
h=10 m=16 s=2
